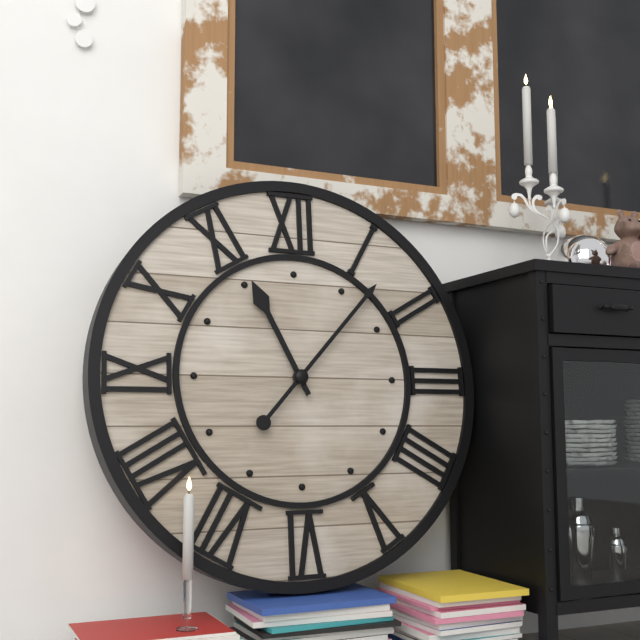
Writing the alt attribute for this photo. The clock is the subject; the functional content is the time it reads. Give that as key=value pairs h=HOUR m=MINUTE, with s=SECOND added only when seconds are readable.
h=11 m=7
